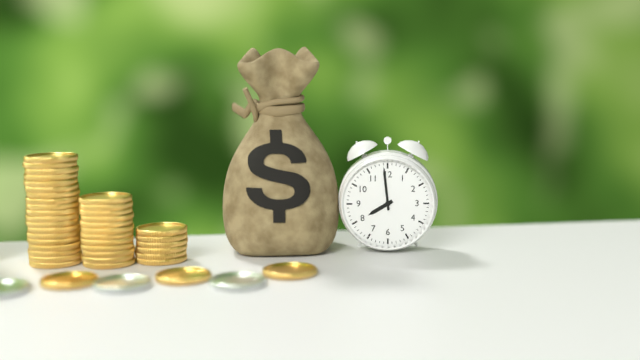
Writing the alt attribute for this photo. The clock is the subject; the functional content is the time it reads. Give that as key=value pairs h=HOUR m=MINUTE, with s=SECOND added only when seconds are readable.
h=7 m=59
